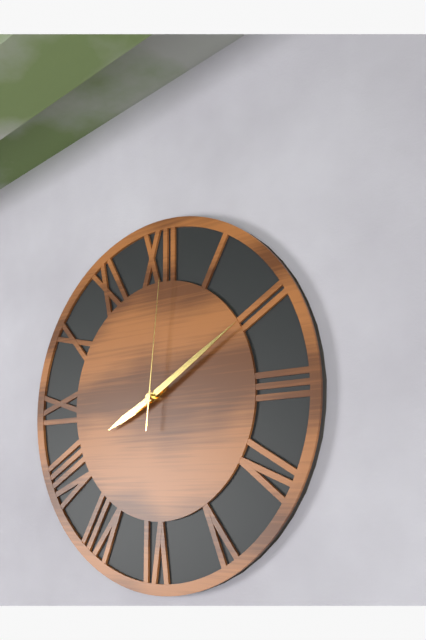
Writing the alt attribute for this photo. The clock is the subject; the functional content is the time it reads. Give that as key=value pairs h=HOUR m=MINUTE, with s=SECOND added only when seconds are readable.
h=8 m=10 s=1
